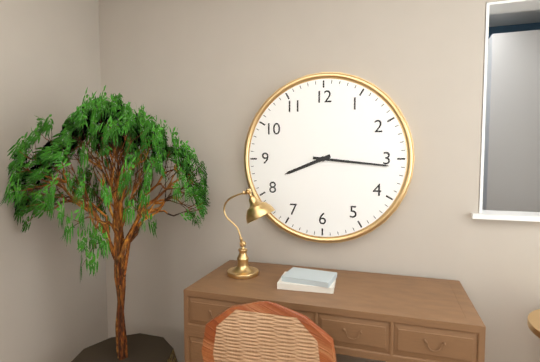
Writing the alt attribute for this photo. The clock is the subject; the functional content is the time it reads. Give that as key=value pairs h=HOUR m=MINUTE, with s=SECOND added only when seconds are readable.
h=8 m=16
